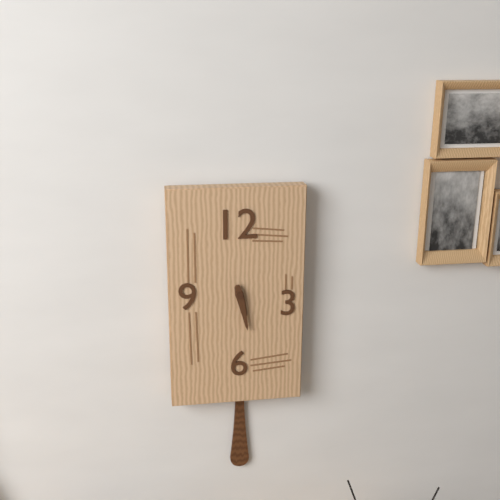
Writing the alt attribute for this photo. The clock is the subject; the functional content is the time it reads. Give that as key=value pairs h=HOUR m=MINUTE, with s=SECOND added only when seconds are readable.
h=5 m=28
